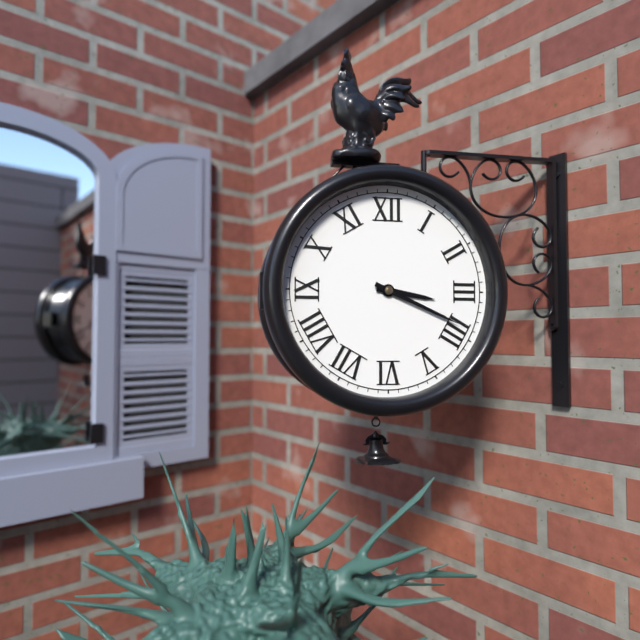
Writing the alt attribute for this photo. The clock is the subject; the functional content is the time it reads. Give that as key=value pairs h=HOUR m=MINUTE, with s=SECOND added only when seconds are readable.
h=3 m=19
